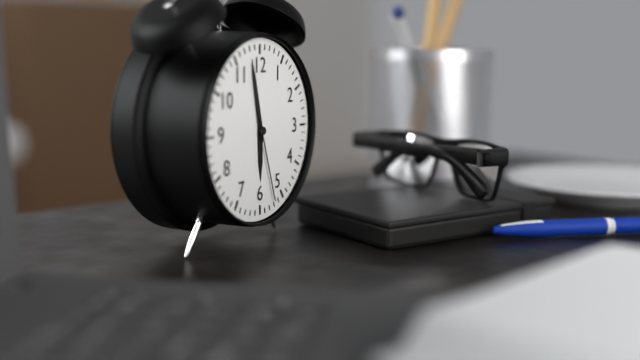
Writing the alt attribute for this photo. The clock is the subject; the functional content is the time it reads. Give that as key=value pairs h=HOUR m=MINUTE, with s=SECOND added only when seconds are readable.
h=5 m=58 s=27
